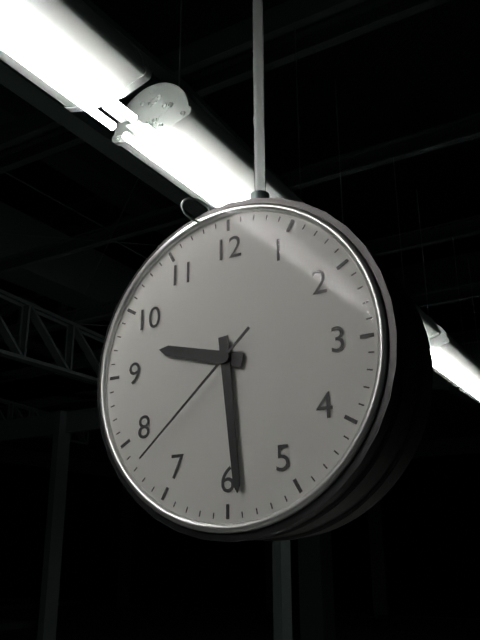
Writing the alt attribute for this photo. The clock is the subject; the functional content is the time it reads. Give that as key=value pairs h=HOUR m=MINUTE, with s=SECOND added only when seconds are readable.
h=9 m=29 s=38
